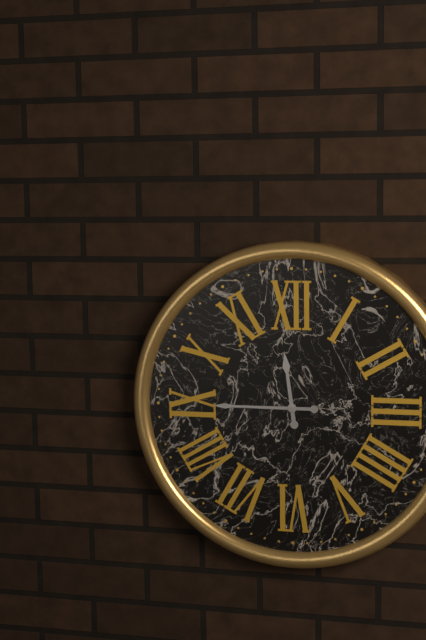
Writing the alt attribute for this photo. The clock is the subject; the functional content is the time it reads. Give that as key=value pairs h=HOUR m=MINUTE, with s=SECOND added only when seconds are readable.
h=11 m=45
